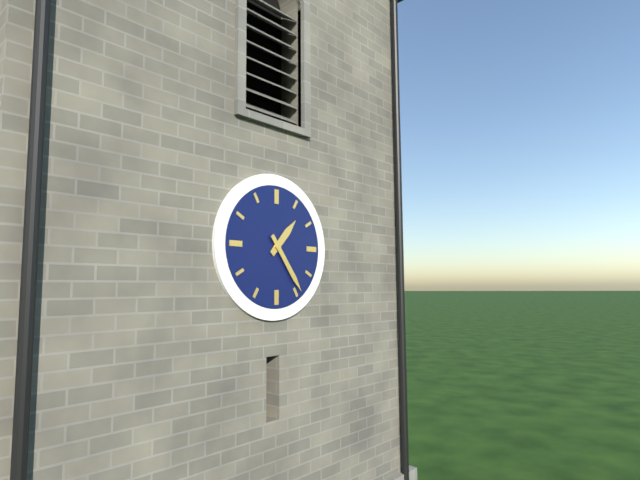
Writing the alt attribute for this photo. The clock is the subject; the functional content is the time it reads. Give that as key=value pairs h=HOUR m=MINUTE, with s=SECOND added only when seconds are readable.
h=1 m=24
